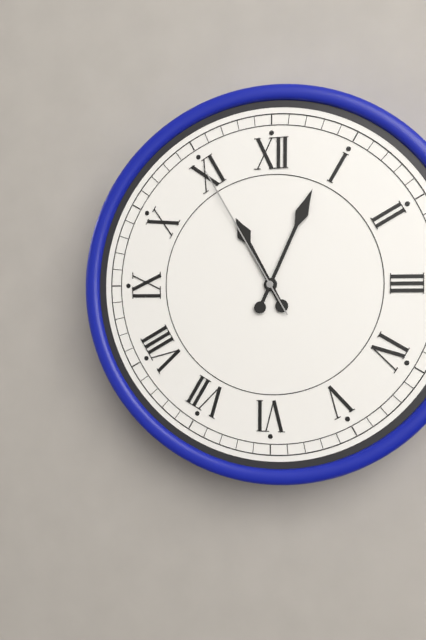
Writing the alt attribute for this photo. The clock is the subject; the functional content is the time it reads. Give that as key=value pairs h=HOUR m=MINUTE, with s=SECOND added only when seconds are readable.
h=11 m=4 s=55
